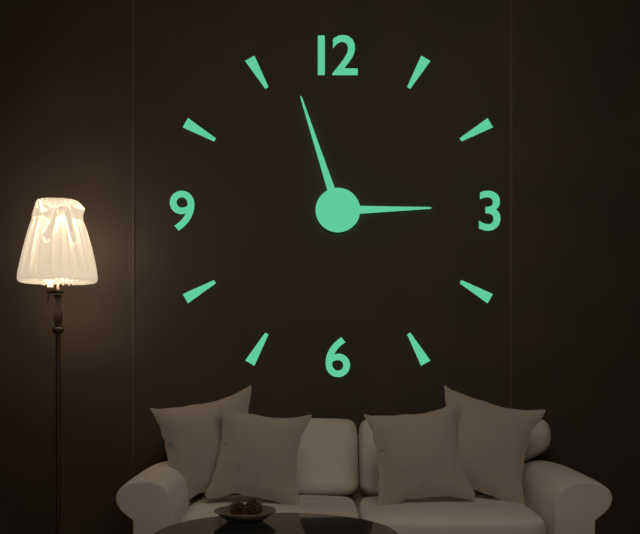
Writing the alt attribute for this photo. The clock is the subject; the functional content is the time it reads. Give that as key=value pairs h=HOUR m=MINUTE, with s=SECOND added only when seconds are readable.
h=2 m=57
